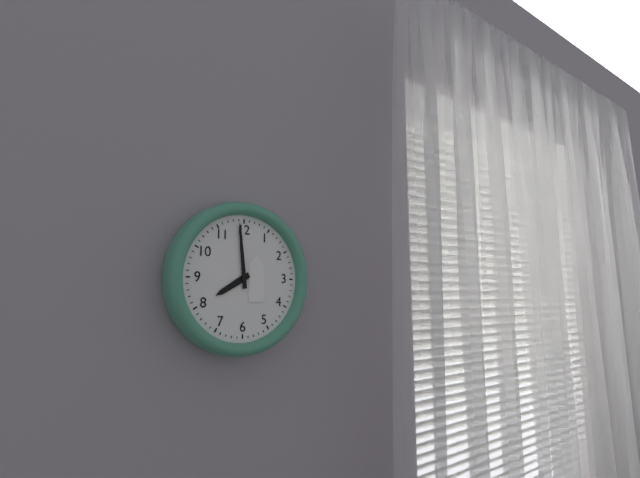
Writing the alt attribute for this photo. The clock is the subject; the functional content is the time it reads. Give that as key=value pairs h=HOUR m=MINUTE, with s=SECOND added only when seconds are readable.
h=7 m=59
